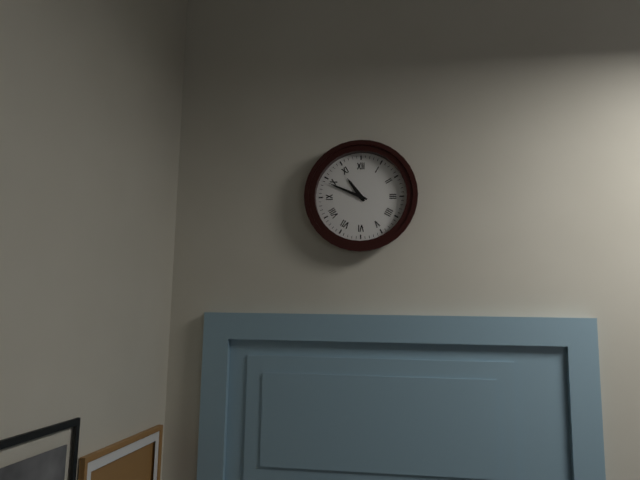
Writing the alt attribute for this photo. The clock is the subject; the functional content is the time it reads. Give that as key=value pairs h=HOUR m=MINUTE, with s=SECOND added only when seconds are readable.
h=10 m=49
